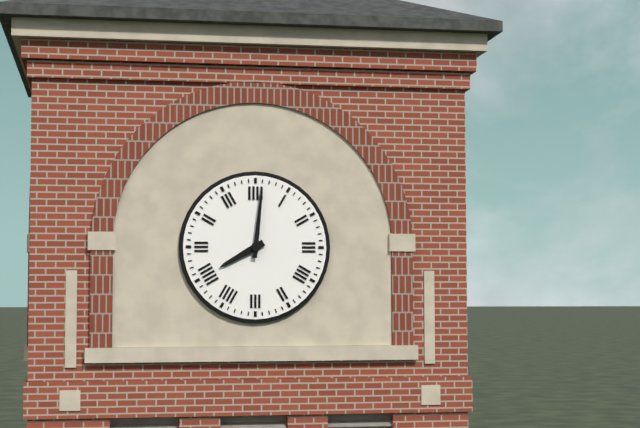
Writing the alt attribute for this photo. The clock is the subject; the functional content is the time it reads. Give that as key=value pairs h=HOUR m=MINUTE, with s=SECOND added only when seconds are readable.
h=8 m=1
